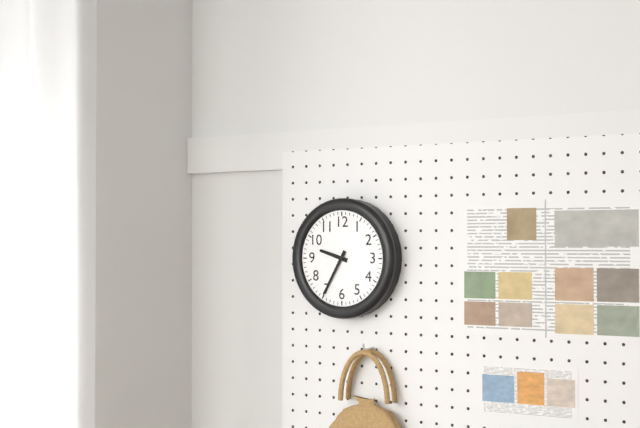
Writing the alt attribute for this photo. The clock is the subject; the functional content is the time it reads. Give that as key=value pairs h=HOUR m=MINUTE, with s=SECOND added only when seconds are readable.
h=9 m=35
